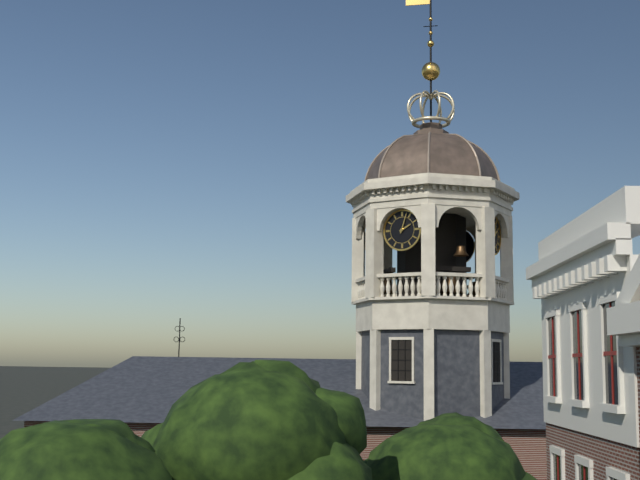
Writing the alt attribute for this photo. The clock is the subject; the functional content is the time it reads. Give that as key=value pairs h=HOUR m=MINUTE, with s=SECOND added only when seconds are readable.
h=2 m=3
